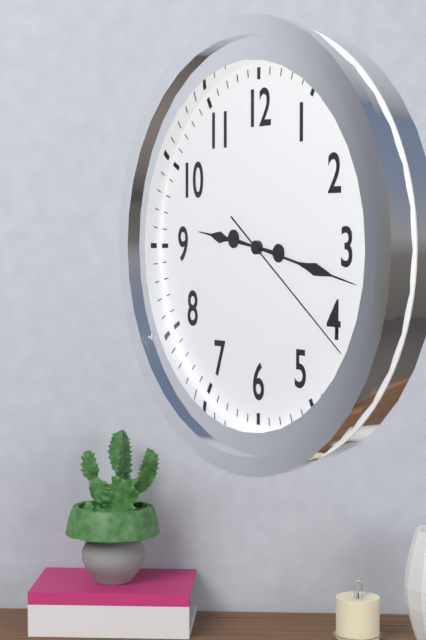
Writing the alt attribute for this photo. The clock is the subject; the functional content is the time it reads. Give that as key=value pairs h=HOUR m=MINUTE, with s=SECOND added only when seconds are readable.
h=9 m=17 s=21
